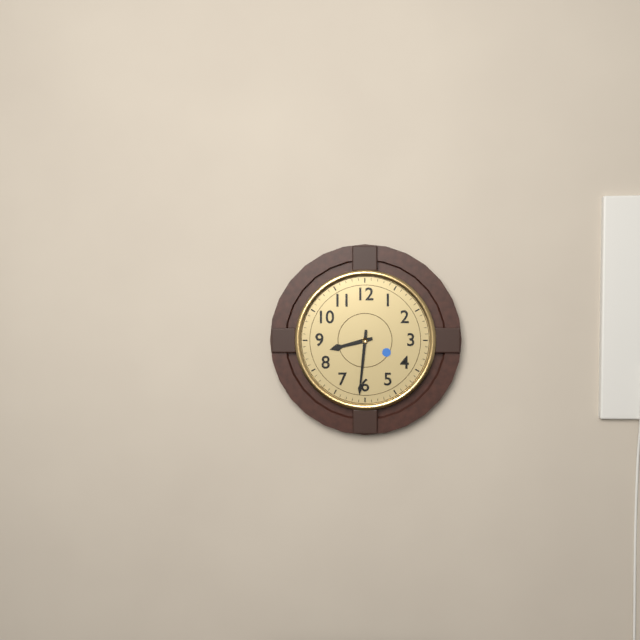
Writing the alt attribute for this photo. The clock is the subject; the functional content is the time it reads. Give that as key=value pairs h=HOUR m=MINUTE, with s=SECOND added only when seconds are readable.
h=8 m=31
